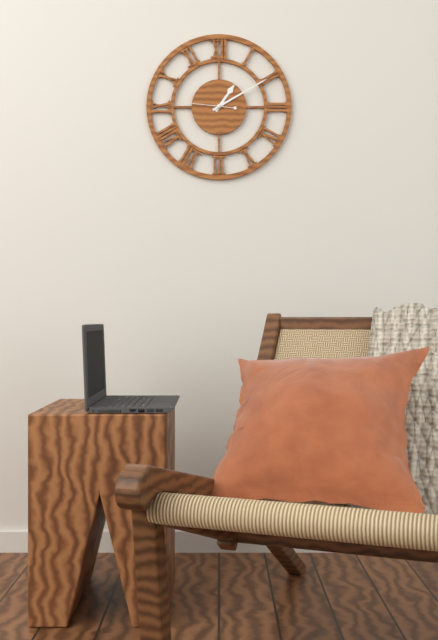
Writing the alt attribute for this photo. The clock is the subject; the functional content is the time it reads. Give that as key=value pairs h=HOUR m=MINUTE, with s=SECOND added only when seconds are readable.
h=1 m=10
